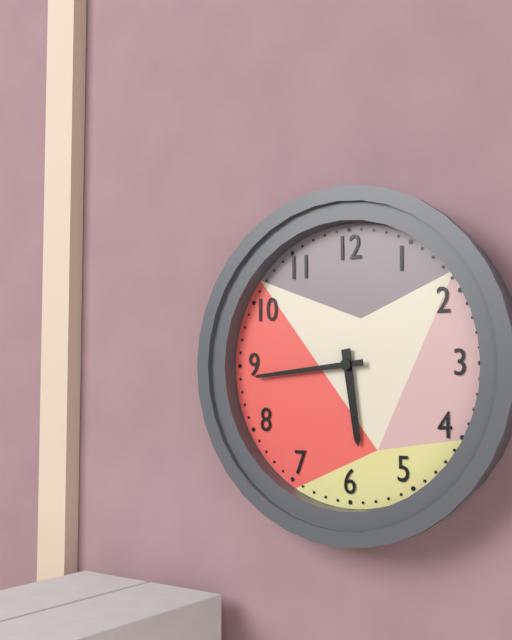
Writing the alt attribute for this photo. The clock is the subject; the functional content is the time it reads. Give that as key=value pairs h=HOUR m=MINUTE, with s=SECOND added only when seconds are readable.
h=5 m=44
